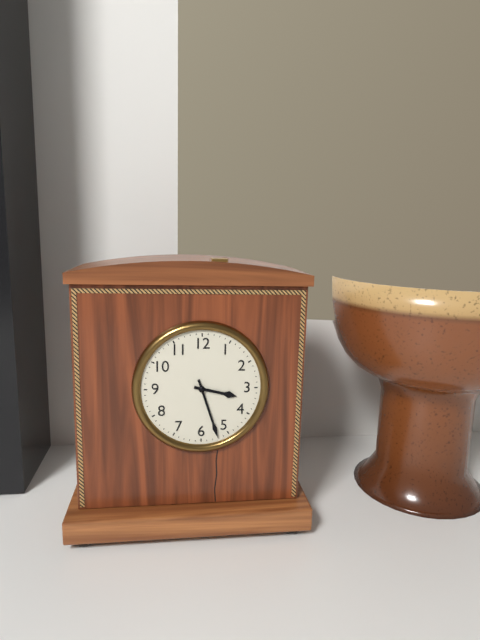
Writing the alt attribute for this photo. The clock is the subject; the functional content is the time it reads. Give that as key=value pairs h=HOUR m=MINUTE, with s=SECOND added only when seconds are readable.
h=3 m=27
